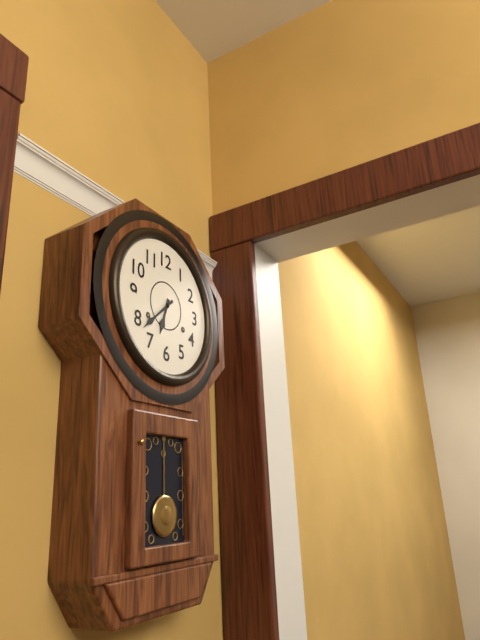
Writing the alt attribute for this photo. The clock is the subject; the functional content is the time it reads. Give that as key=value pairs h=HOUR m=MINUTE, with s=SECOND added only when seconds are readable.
h=6 m=38
